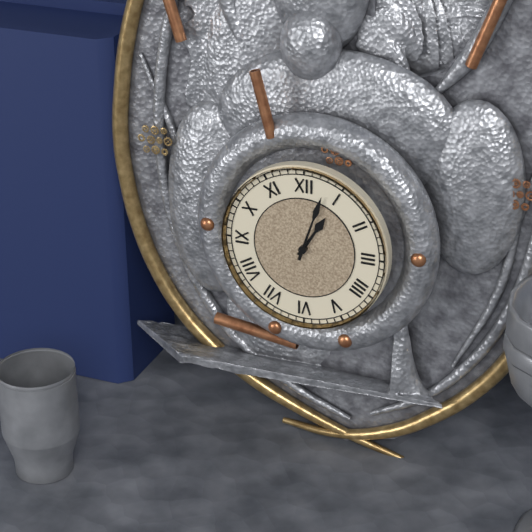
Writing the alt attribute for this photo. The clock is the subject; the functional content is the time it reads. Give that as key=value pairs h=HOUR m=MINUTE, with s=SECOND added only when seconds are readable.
h=1 m=3
